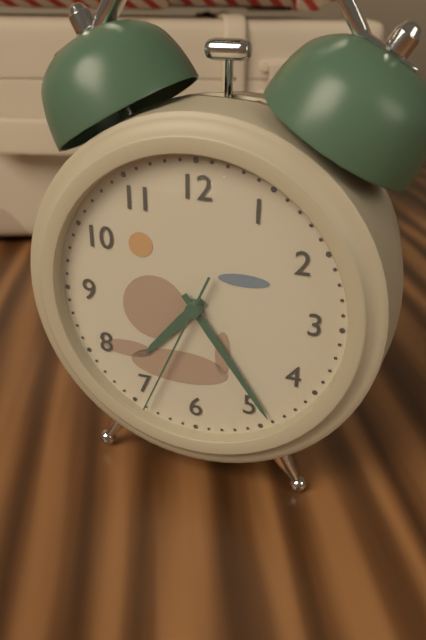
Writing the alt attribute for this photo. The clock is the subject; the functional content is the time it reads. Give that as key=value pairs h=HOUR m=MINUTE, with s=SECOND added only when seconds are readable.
h=7 m=24 s=34
